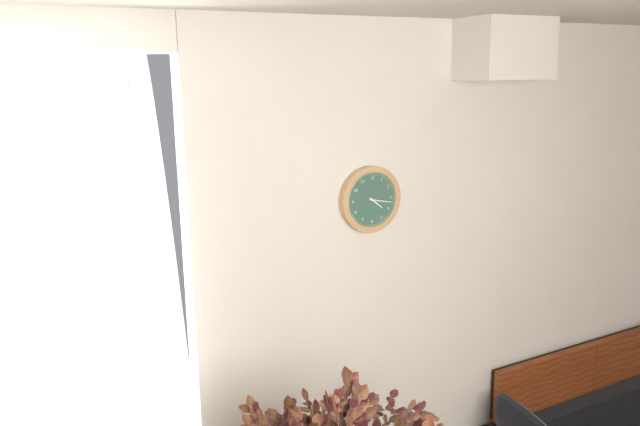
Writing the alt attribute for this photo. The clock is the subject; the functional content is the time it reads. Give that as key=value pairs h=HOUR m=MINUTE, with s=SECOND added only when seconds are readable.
h=4 m=17
